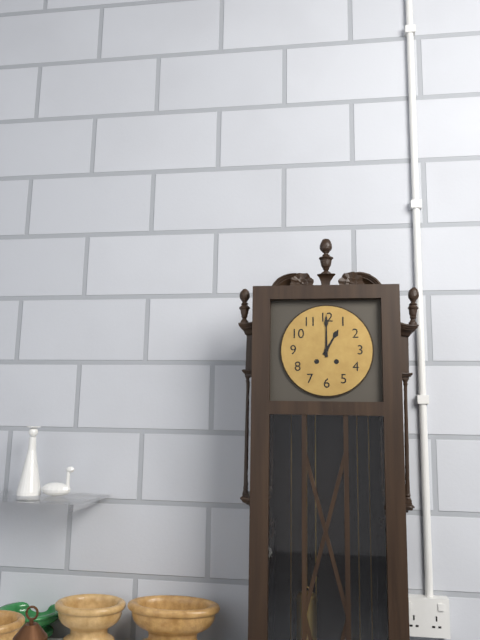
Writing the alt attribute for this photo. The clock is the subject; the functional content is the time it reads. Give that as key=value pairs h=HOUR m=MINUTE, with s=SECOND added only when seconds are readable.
h=1 m=0
